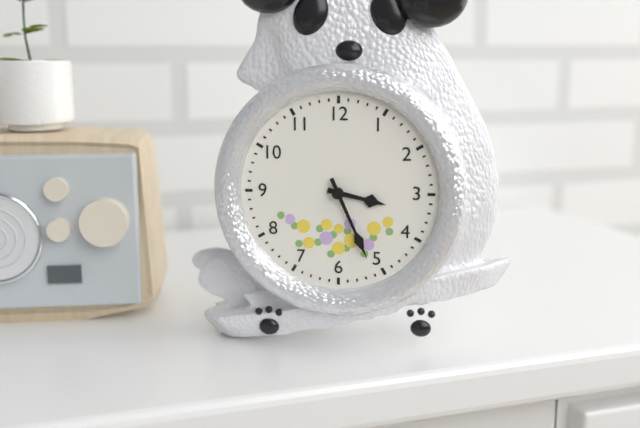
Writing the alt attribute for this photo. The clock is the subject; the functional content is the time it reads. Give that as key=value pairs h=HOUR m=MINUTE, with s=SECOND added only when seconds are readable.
h=3 m=26
